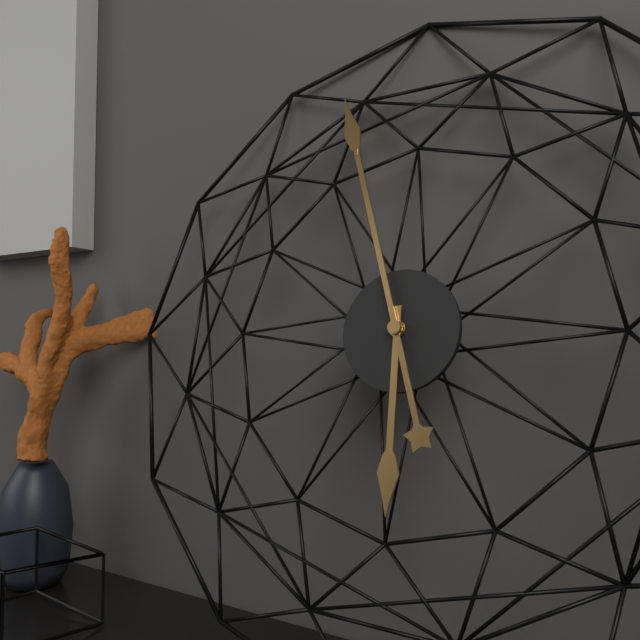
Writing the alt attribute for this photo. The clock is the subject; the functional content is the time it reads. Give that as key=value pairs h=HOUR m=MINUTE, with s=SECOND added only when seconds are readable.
h=5 m=57
